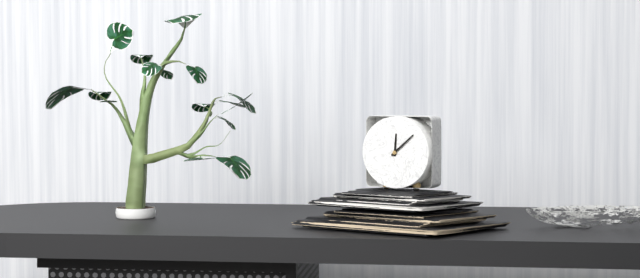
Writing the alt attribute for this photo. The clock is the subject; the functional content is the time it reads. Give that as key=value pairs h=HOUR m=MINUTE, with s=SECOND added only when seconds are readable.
h=12 m=8
